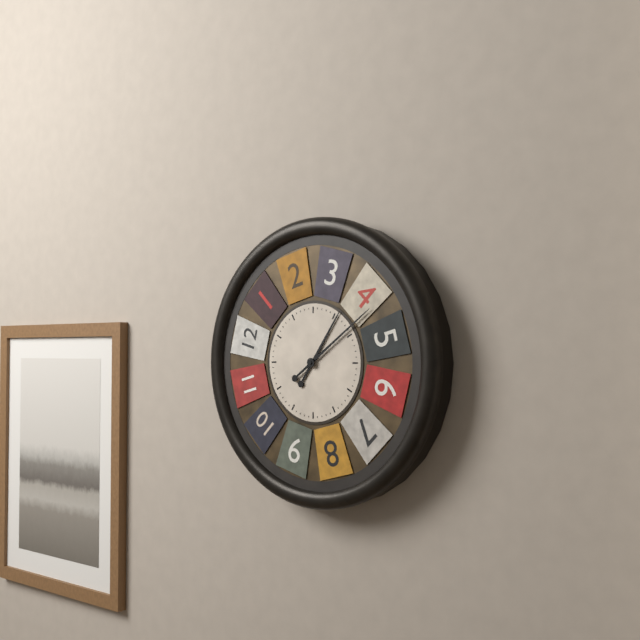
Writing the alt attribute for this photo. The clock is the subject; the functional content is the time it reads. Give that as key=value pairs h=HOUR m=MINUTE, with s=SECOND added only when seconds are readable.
h=1 m=9
